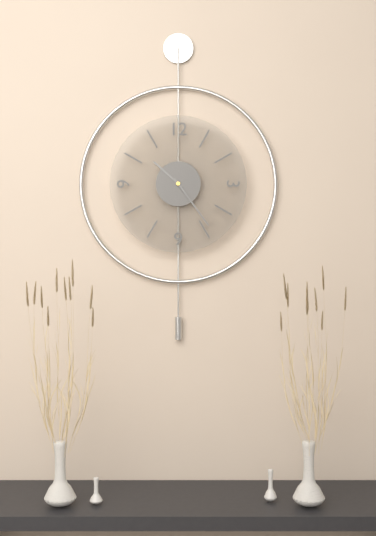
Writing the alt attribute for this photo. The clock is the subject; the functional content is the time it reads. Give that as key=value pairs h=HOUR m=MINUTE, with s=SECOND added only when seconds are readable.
h=10 m=24
